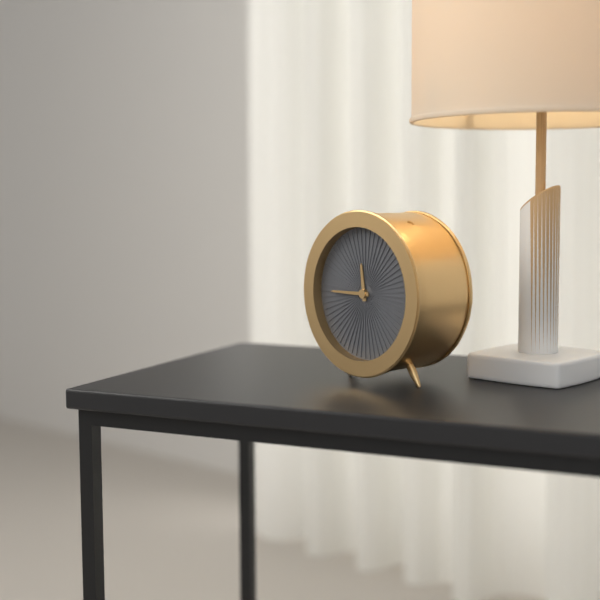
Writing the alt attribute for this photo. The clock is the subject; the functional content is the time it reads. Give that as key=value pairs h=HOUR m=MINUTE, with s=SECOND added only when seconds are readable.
h=11 m=45
